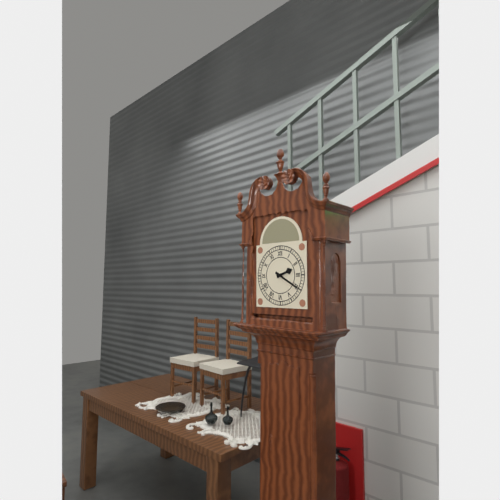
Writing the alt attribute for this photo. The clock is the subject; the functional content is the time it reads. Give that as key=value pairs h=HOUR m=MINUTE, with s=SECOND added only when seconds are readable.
h=2 m=20
